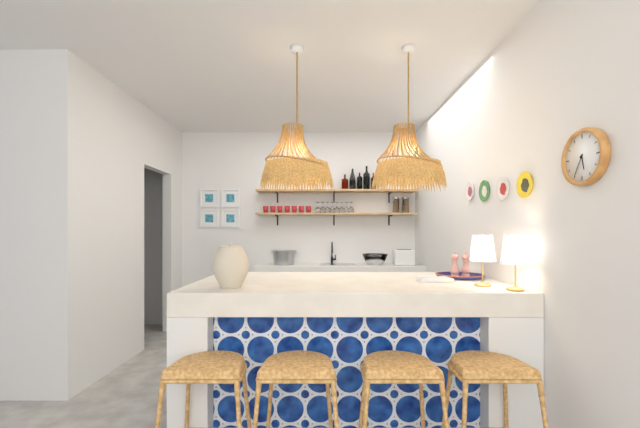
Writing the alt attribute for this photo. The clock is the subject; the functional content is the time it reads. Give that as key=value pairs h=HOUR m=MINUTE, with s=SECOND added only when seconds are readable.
h=5 m=35
